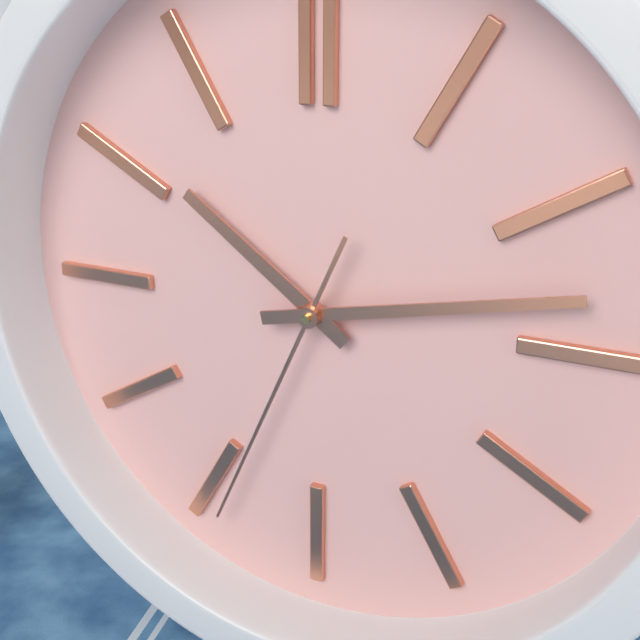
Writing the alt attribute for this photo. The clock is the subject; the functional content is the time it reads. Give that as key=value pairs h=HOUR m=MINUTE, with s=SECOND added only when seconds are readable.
h=10 m=13 s=34
